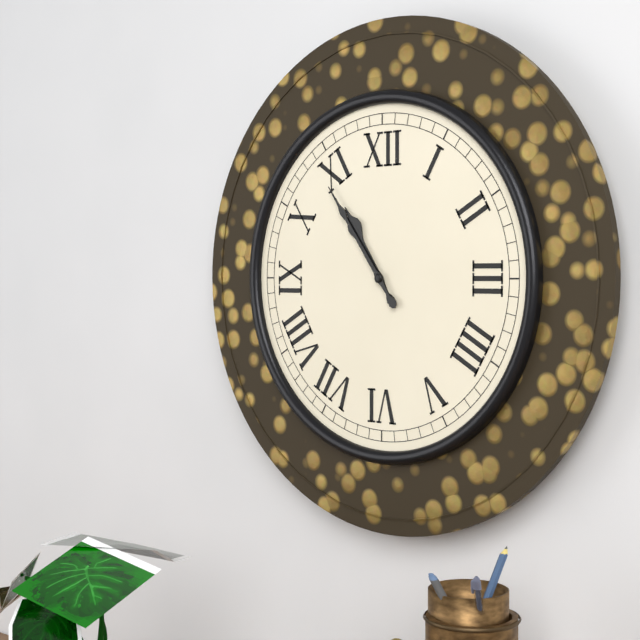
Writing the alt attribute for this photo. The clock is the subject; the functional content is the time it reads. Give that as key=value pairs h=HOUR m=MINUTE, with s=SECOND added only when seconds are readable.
h=10 m=54
